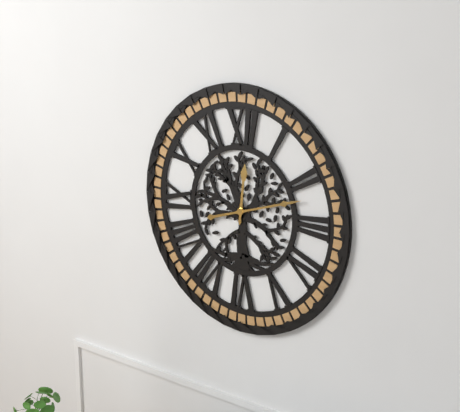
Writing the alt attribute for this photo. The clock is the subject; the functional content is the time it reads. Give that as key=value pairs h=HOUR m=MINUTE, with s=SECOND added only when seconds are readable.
h=12 m=12
